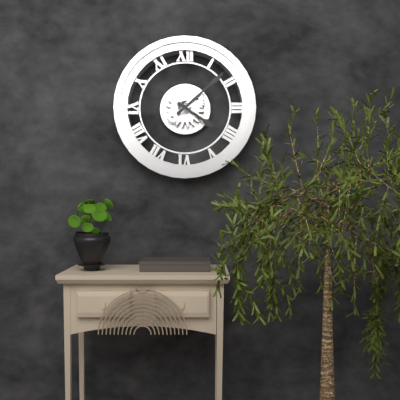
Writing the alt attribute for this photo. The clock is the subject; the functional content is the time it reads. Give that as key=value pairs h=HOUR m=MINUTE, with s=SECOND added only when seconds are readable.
h=4 m=8
